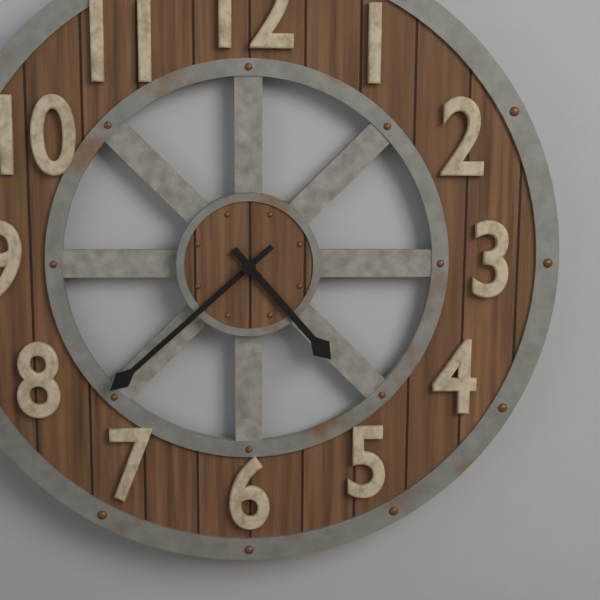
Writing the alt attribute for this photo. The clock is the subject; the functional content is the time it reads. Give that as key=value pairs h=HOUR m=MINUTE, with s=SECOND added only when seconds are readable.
h=4 m=38
